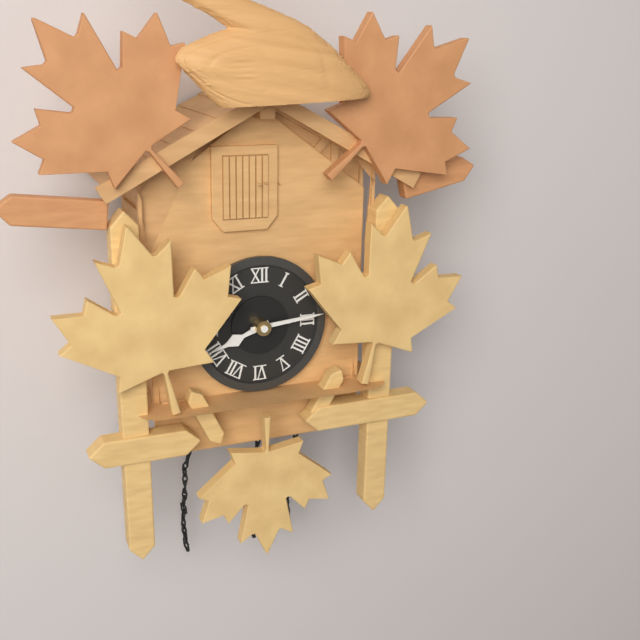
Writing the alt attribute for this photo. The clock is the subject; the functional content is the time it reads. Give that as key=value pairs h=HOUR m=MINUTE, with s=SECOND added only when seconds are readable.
h=8 m=14
